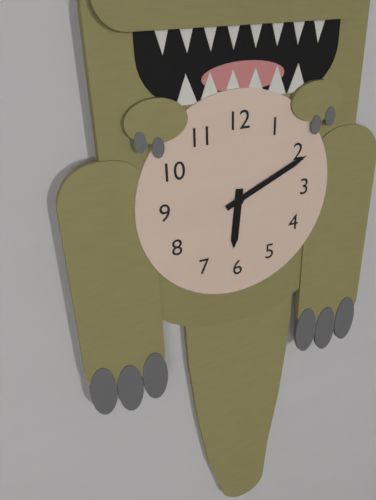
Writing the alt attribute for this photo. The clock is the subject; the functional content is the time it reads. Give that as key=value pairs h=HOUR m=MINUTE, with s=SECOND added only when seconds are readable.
h=6 m=11
